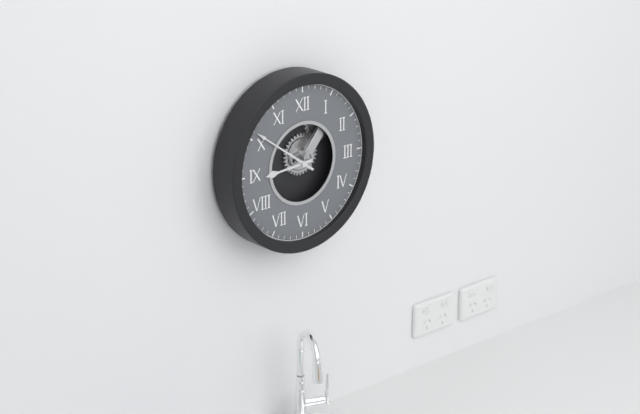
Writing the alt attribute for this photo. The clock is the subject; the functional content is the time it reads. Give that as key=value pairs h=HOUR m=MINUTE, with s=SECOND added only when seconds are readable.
h=8 m=51
